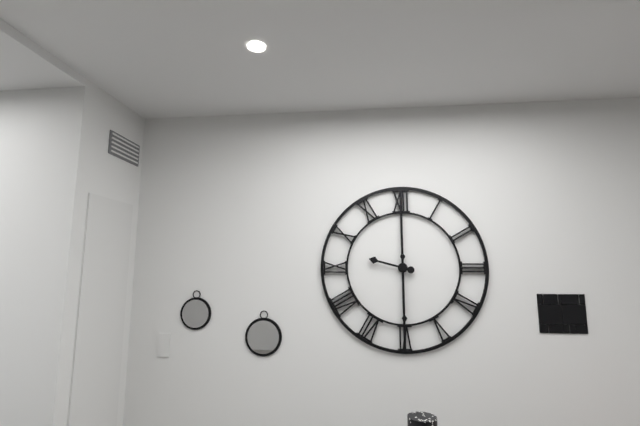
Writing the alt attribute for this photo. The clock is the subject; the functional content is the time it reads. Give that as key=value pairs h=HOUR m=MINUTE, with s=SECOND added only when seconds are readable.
h=9 m=30
